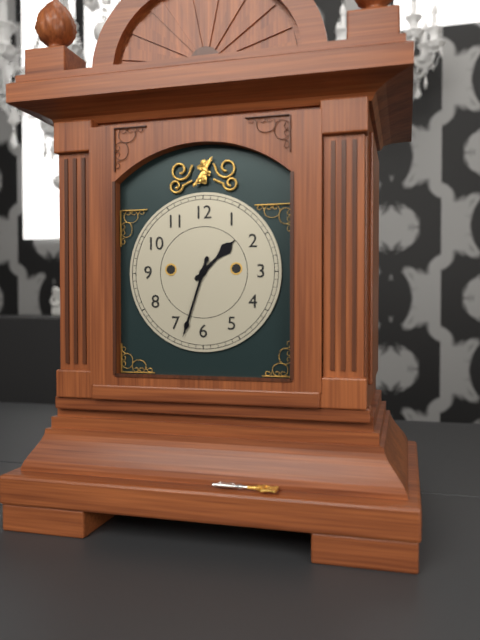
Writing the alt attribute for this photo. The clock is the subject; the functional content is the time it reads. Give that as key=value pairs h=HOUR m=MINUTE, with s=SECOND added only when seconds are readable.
h=1 m=33
